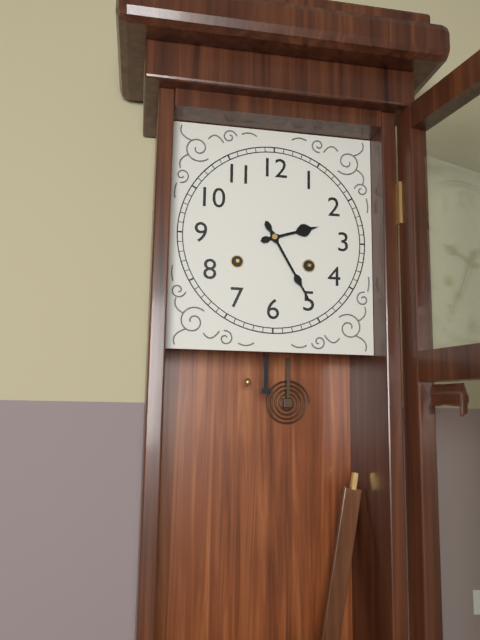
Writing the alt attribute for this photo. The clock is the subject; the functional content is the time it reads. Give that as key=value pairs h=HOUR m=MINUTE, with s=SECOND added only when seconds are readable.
h=2 m=25
